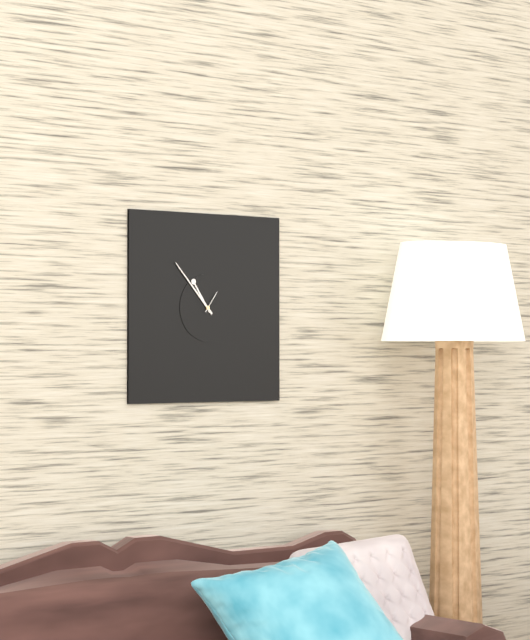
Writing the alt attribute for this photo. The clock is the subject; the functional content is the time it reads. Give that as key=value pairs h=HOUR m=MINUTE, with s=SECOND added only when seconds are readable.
h=10 m=53
